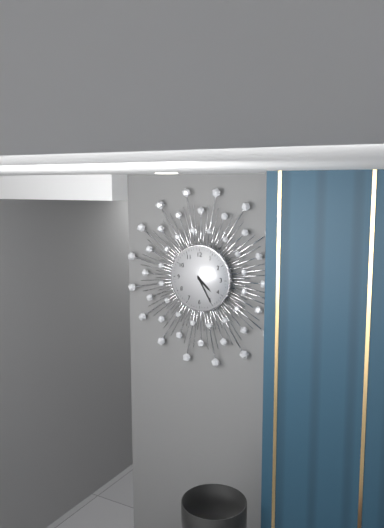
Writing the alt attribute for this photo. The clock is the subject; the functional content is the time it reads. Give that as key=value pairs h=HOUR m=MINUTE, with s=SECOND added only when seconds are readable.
h=4 m=25
